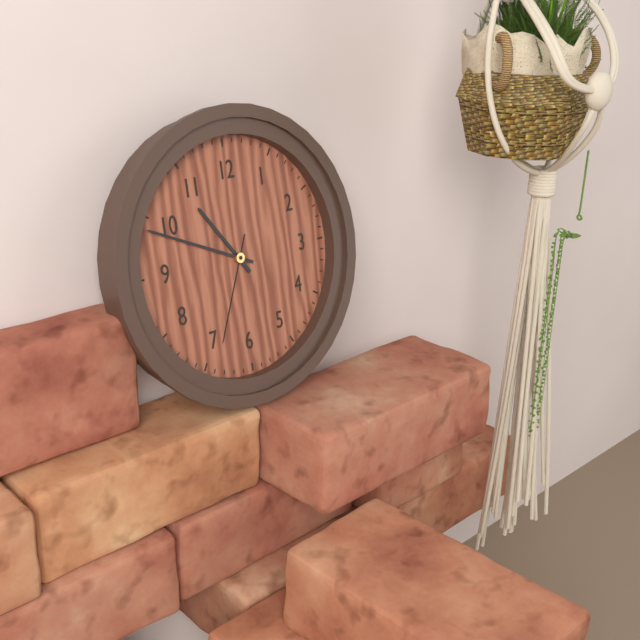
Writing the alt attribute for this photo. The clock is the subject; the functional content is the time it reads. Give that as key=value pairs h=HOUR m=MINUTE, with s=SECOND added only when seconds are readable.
h=10 m=49 s=34
